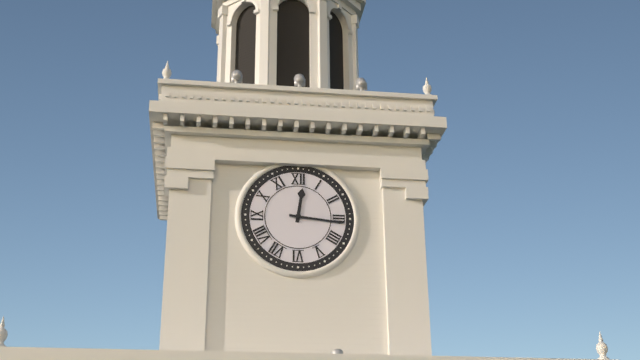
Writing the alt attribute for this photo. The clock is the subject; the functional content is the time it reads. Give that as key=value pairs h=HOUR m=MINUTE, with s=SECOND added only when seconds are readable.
h=12 m=16
